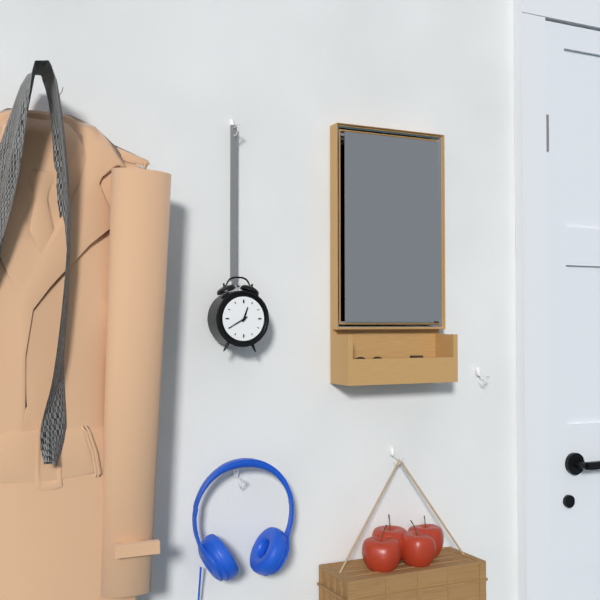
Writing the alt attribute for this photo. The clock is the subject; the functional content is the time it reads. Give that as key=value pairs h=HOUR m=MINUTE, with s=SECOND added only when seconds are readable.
h=12 m=40
